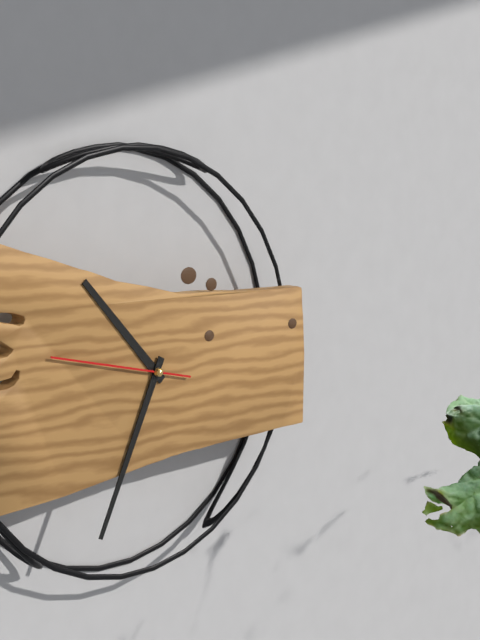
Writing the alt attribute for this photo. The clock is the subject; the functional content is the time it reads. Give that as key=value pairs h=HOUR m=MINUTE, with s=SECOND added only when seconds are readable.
h=10 m=34 s=47
